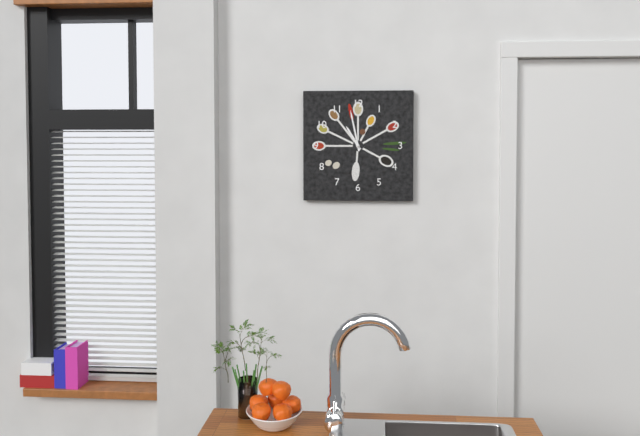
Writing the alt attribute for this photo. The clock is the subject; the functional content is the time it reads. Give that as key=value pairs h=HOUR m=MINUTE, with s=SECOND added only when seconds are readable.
h=10 m=58
